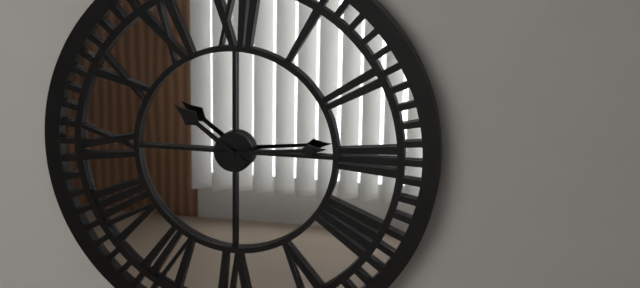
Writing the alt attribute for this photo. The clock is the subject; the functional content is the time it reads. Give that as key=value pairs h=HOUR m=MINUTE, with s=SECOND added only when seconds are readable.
h=10 m=14
